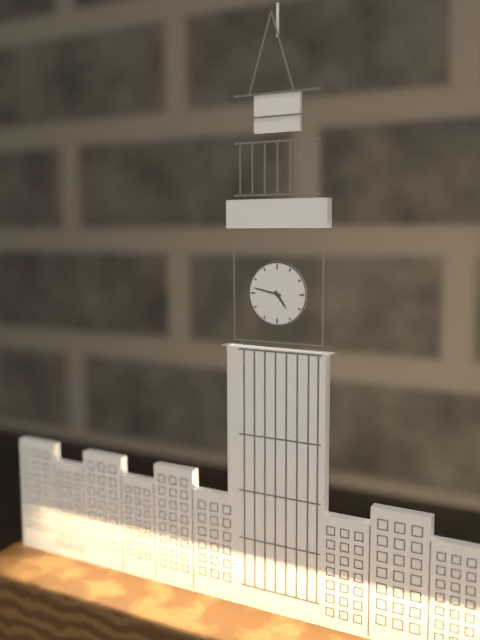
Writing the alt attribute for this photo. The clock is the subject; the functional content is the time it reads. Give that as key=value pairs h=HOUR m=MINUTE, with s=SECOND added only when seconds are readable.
h=4 m=47
